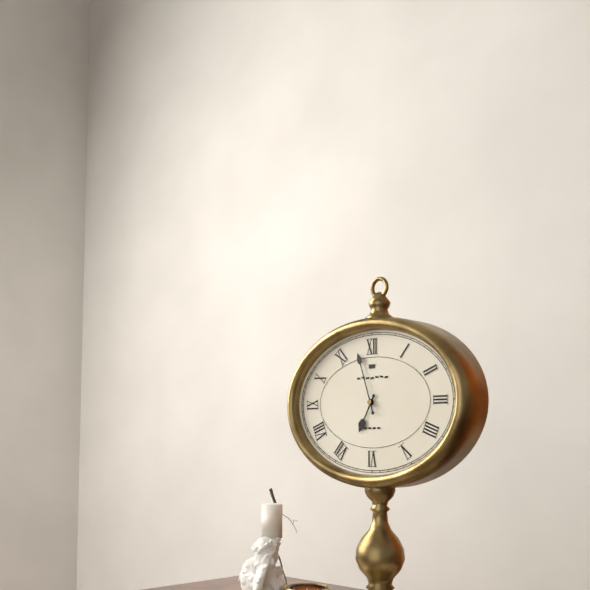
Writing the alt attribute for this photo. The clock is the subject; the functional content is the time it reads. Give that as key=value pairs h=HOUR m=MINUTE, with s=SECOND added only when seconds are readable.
h=6 m=57
